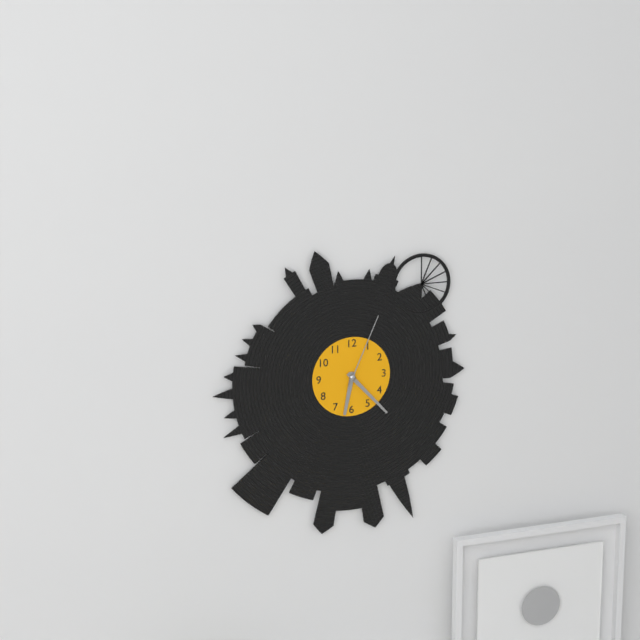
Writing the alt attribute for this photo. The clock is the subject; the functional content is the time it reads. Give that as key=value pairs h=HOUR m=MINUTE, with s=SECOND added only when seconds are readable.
h=6 m=23 s=4
